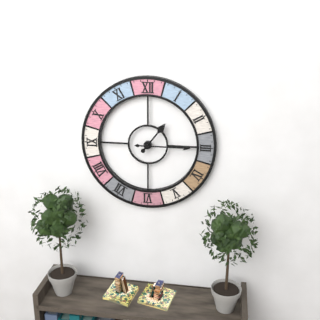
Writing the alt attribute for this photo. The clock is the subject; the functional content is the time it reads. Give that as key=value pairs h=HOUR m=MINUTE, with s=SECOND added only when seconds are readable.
h=1 m=15
